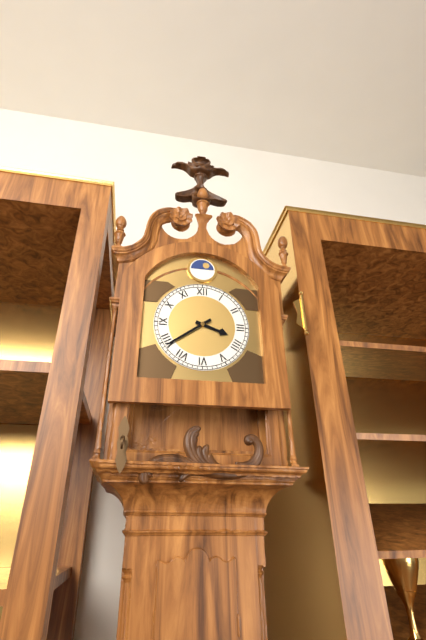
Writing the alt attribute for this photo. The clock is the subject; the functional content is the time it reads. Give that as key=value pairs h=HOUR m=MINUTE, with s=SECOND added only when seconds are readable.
h=3 m=39
